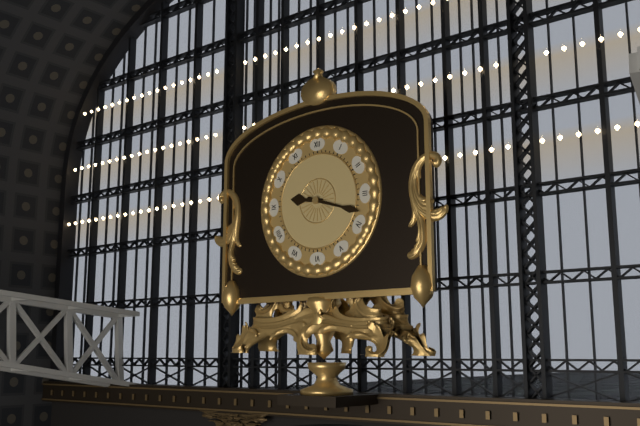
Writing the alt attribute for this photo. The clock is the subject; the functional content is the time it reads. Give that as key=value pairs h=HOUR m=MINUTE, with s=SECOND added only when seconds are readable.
h=9 m=18
